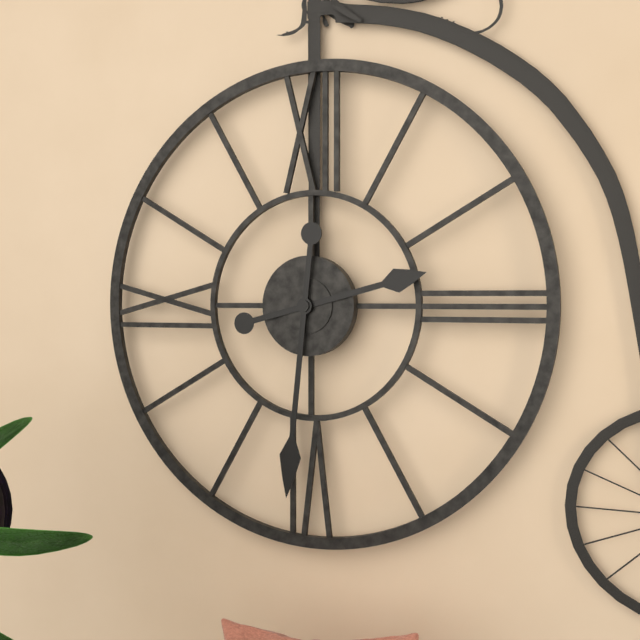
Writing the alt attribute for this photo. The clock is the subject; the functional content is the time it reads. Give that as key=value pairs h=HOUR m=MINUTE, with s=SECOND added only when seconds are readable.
h=2 m=31
